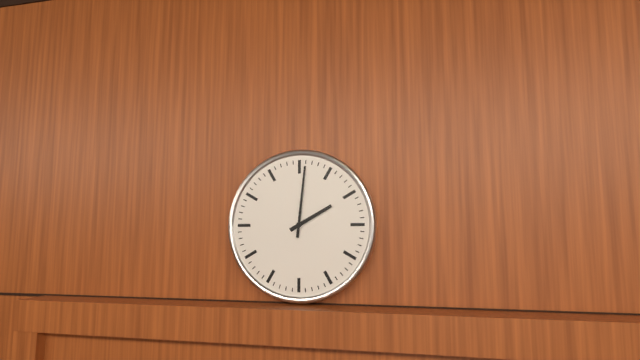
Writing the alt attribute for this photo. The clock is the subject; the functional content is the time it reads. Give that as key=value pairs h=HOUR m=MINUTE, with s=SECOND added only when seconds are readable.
h=2 m=1
